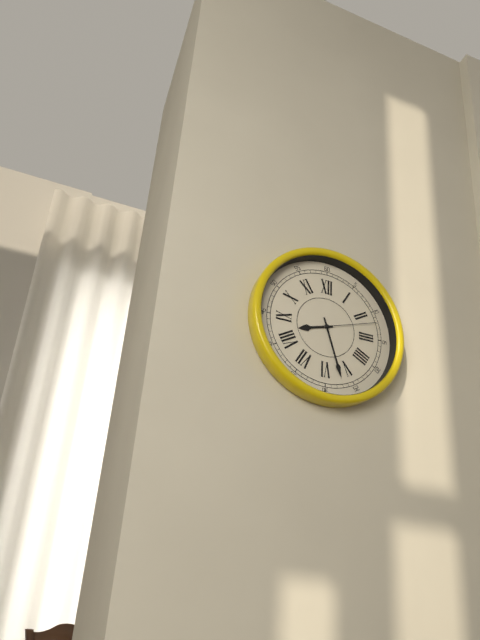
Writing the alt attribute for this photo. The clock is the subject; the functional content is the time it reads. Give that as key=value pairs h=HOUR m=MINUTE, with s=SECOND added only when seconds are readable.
h=8 m=27 s=12
